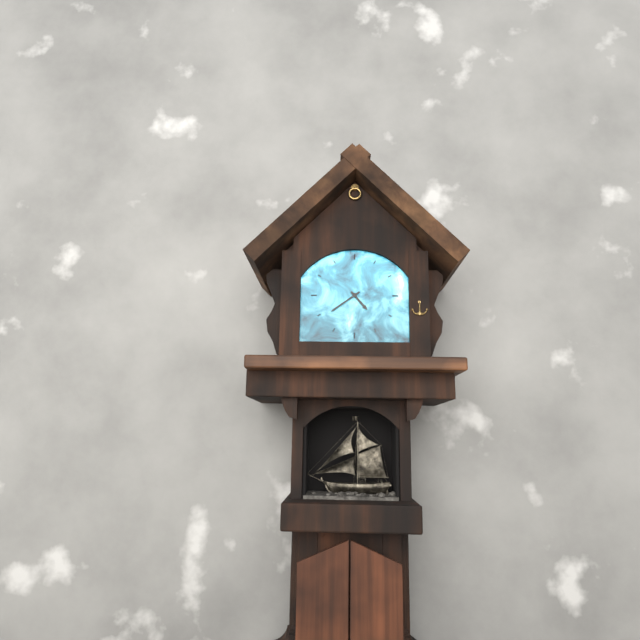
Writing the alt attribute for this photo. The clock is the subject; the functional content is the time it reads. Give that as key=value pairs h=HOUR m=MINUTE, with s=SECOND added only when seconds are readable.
h=4 m=39
